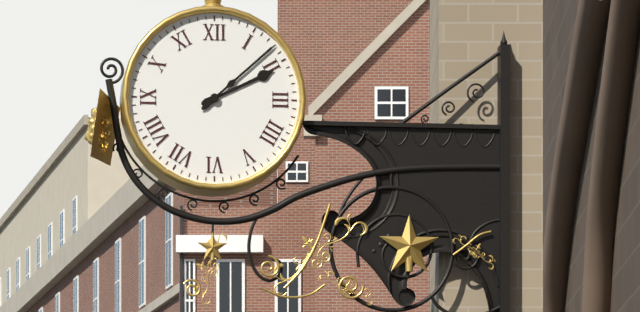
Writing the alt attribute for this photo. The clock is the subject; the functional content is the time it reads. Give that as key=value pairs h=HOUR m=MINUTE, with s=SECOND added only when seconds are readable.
h=2 m=8
